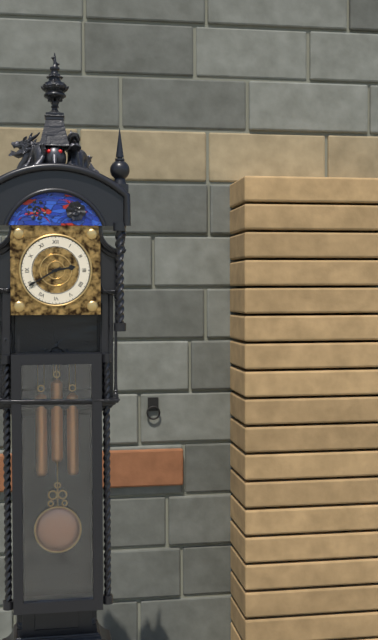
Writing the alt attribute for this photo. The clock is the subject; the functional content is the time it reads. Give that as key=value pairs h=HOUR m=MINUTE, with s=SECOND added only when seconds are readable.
h=2 m=40
